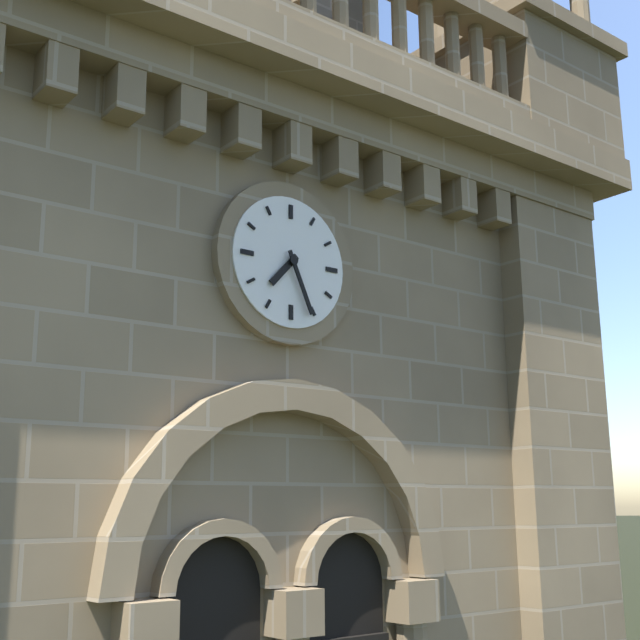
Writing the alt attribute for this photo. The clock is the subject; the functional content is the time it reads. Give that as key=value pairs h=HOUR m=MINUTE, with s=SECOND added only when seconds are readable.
h=7 m=26
